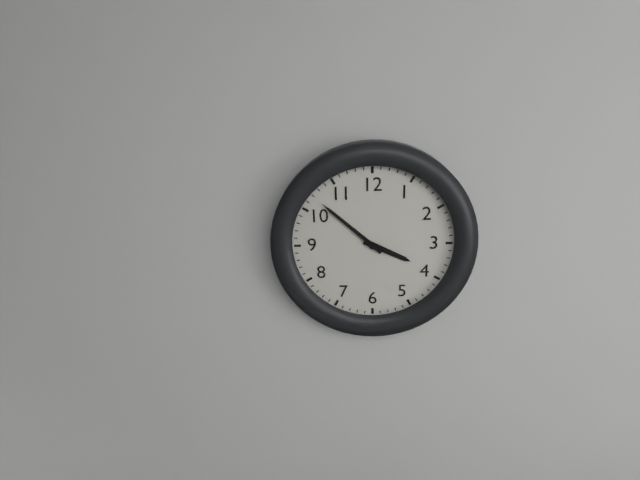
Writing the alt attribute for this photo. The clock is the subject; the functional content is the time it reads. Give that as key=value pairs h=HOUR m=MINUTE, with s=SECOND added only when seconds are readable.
h=3 m=52
